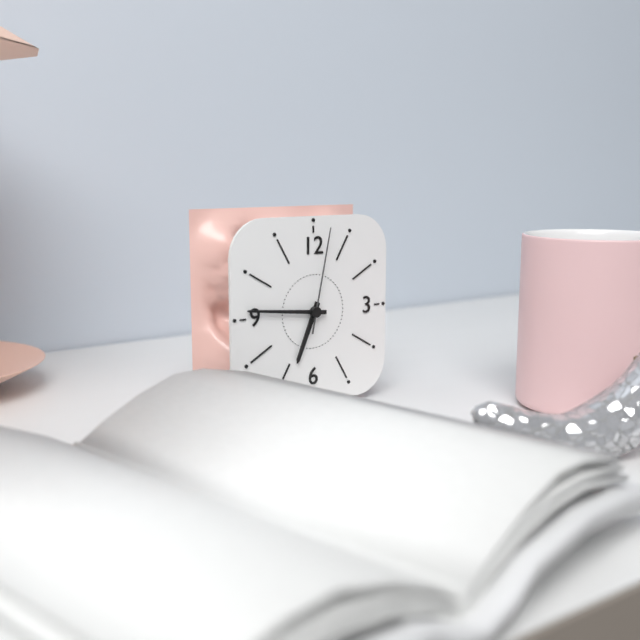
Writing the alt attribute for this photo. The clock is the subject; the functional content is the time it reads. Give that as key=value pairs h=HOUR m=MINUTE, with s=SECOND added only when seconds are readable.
h=6 m=46 s=2
